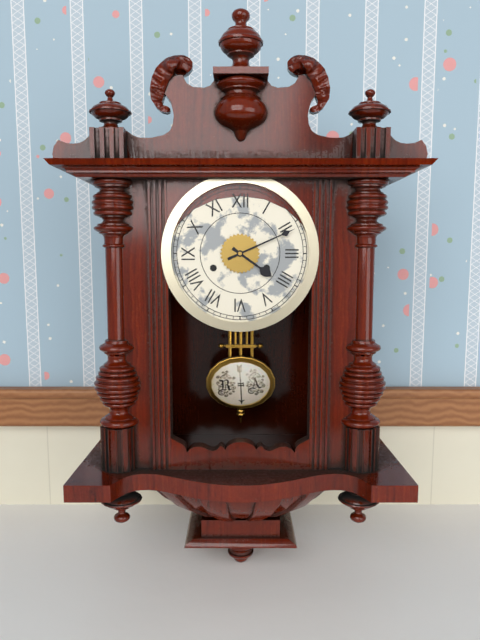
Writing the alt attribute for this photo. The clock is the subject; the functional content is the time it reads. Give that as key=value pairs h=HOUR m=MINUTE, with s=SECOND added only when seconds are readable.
h=4 m=11
